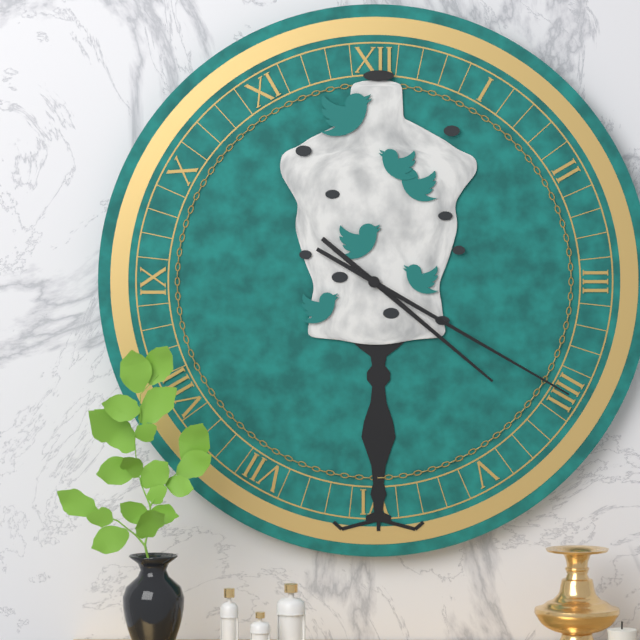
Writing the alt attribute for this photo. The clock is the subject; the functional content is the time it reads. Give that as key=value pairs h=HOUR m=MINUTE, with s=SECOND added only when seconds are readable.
h=4 m=20
